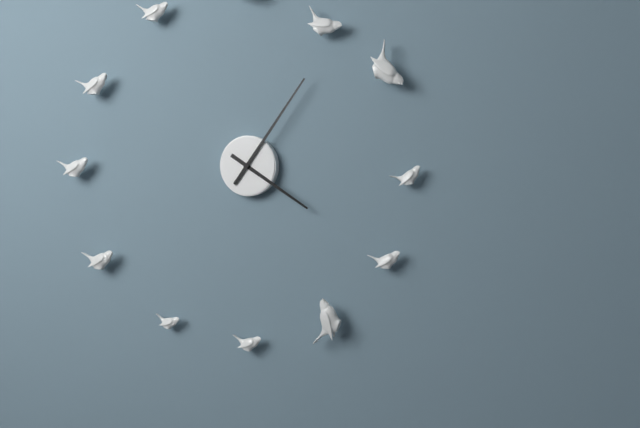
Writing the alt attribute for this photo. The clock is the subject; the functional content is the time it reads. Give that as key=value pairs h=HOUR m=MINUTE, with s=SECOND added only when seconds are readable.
h=4 m=6
